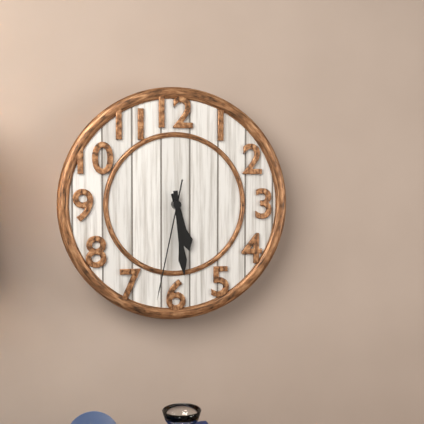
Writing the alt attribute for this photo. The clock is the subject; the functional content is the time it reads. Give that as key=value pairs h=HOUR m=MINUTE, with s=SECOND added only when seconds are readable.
h=5 m=29 s=32
